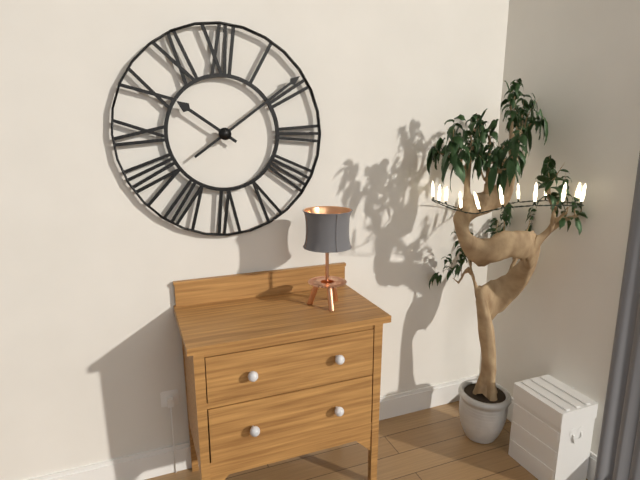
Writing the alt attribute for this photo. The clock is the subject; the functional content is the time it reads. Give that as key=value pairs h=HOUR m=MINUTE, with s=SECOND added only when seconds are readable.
h=10 m=9
